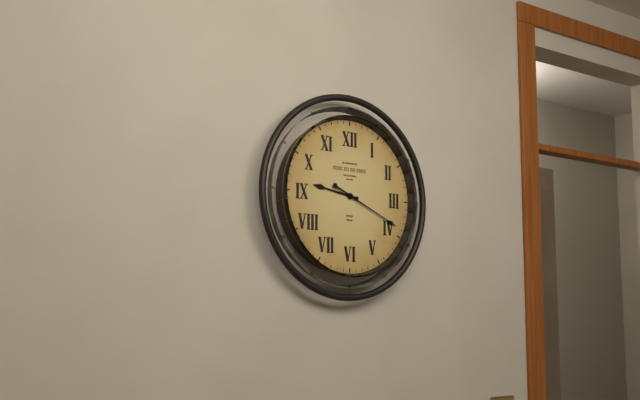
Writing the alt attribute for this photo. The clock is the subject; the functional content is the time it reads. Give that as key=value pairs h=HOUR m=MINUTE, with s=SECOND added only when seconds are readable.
h=9 m=19
